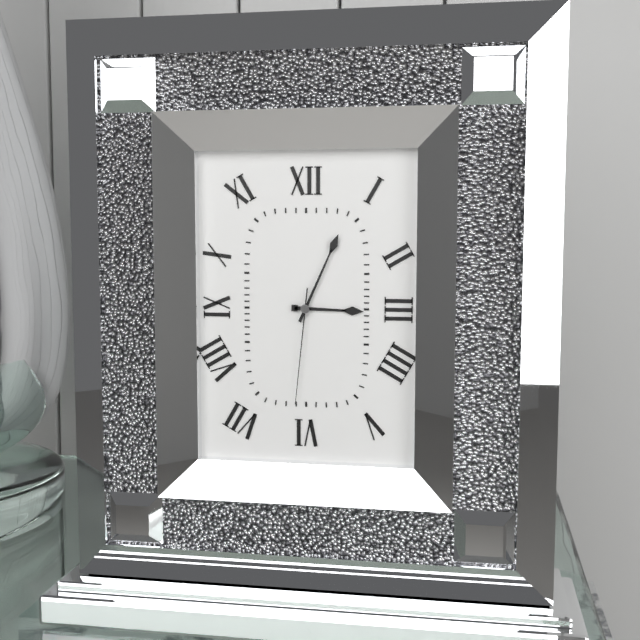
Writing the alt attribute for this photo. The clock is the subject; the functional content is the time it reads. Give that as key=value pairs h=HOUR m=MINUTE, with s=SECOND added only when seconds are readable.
h=3 m=4 s=31
